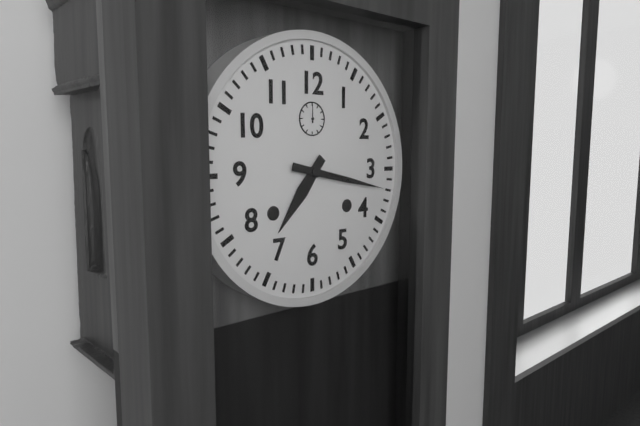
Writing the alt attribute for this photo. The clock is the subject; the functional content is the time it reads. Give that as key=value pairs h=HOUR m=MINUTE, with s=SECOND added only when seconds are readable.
h=7 m=17
